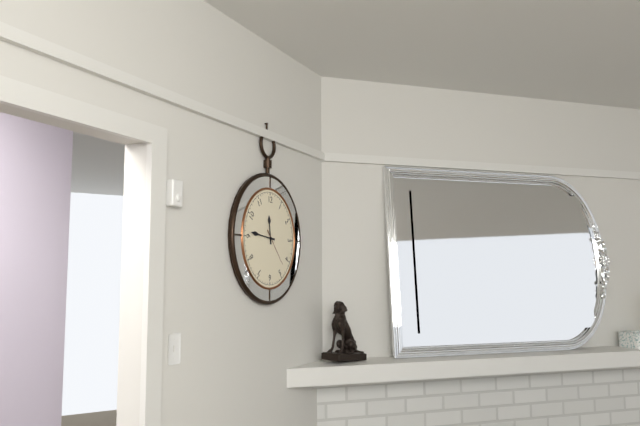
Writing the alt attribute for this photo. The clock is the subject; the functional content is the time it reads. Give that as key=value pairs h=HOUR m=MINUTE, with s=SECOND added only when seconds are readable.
h=11 m=46
